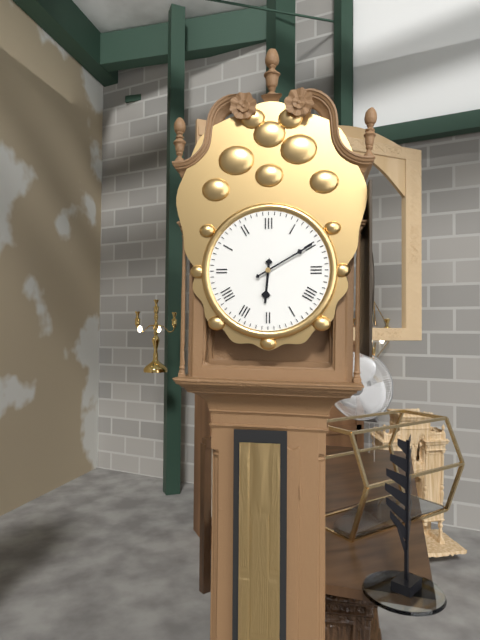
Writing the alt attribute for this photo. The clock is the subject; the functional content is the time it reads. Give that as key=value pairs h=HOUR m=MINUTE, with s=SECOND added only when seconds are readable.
h=6 m=10
